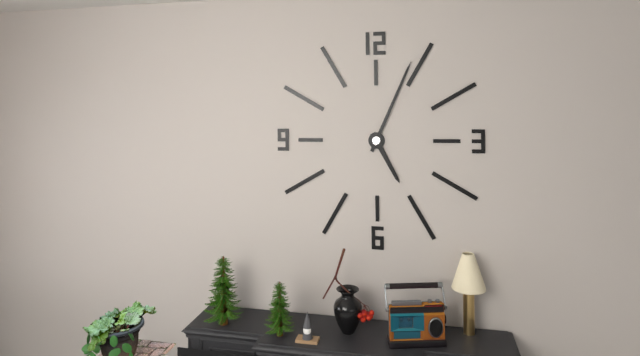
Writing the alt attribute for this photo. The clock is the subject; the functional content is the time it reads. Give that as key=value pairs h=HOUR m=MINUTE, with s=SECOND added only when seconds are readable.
h=5 m=4
